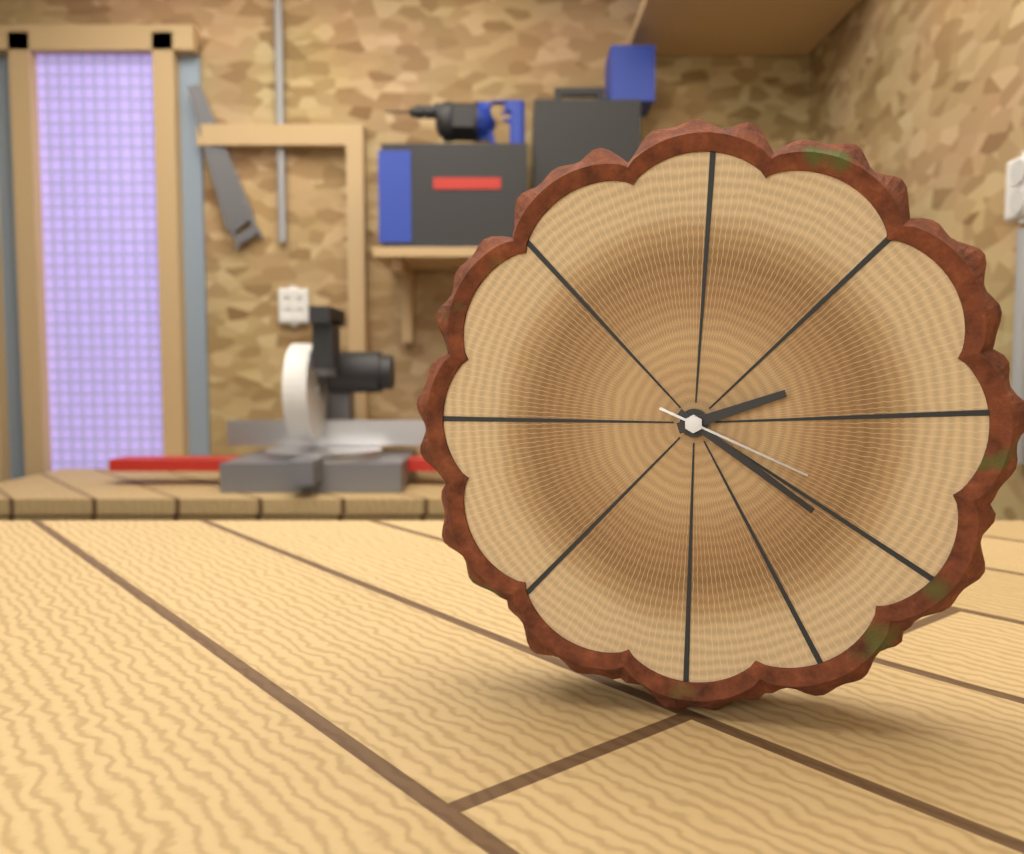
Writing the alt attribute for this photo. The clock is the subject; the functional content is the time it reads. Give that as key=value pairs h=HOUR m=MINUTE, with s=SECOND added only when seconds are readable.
h=2 m=21 s=19
